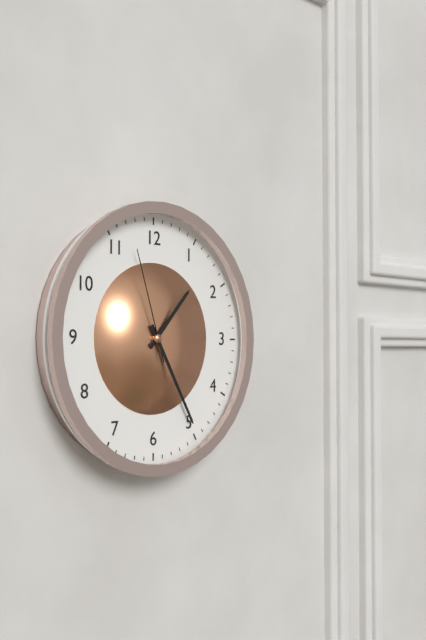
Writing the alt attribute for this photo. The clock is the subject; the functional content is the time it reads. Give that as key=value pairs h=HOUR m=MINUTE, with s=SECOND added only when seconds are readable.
h=1 m=25 s=57
